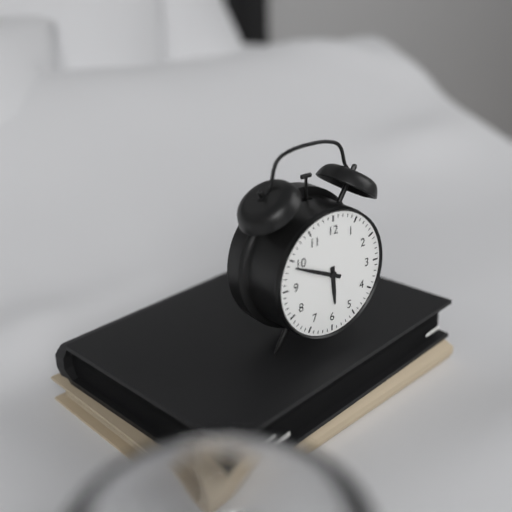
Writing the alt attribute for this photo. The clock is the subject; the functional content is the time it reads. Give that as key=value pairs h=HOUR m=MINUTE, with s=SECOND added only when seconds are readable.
h=5 m=49
